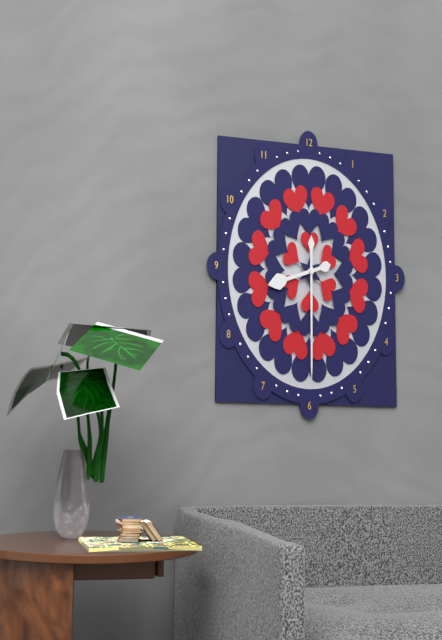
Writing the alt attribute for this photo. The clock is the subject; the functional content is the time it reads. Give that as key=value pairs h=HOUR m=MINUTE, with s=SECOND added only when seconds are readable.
h=8 m=30
